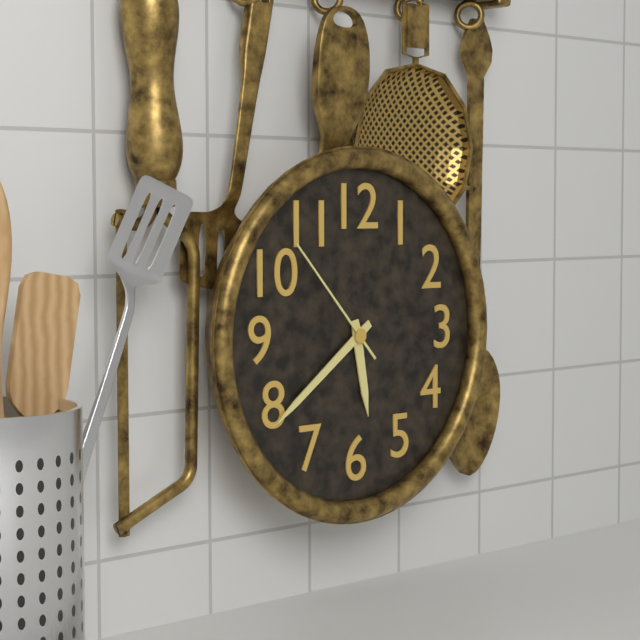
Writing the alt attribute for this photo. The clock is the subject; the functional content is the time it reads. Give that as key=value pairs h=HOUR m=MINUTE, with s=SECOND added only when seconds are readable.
h=5 m=39 s=53
